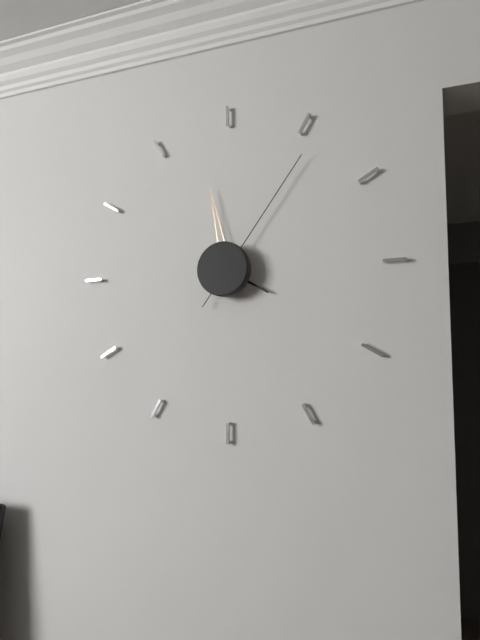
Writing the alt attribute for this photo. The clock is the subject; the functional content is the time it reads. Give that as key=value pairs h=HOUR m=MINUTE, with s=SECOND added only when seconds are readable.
h=3 m=58 s=6
